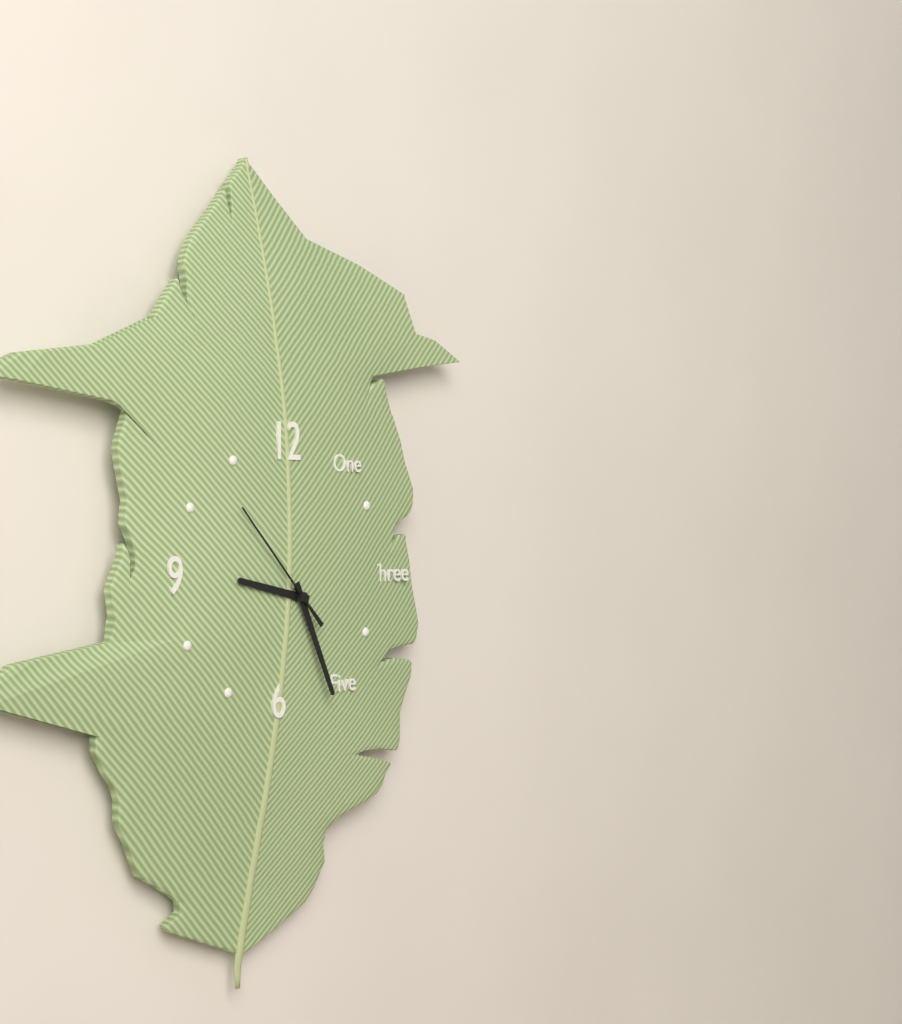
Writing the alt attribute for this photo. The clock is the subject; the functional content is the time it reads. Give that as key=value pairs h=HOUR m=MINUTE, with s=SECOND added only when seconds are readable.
h=9 m=26 s=53
